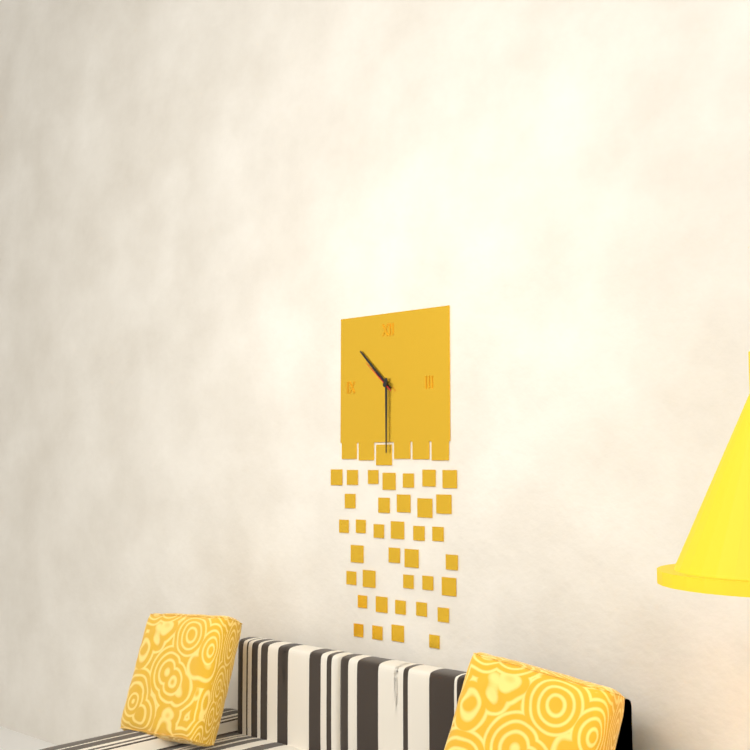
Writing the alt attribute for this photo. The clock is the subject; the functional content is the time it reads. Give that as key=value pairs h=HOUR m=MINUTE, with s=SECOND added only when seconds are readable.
h=10 m=30
